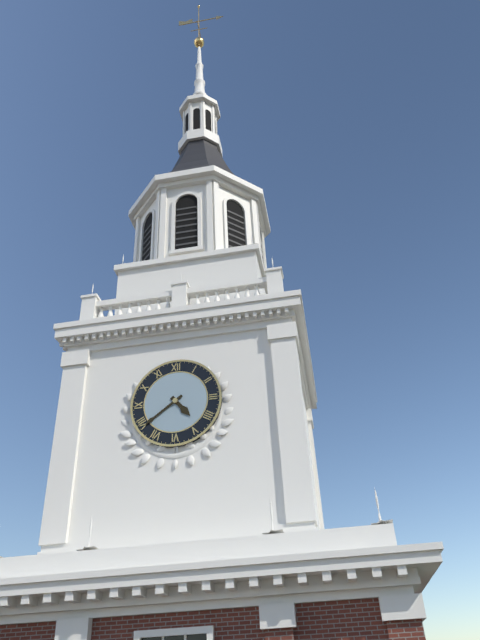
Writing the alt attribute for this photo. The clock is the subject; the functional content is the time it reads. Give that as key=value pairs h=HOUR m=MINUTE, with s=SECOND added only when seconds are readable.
h=4 m=39
